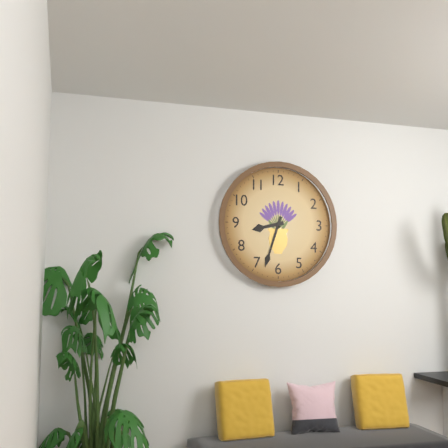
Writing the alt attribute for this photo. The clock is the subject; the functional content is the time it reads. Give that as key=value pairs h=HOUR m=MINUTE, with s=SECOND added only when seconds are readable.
h=8 m=33
